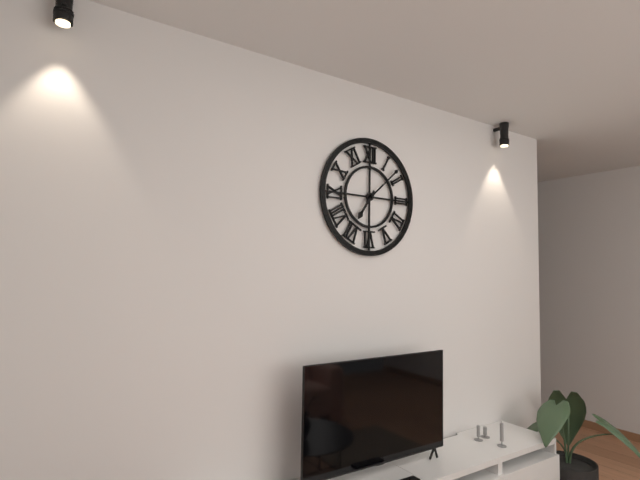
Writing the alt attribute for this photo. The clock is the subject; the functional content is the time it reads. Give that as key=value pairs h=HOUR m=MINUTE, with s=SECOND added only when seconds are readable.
h=7 m=8
